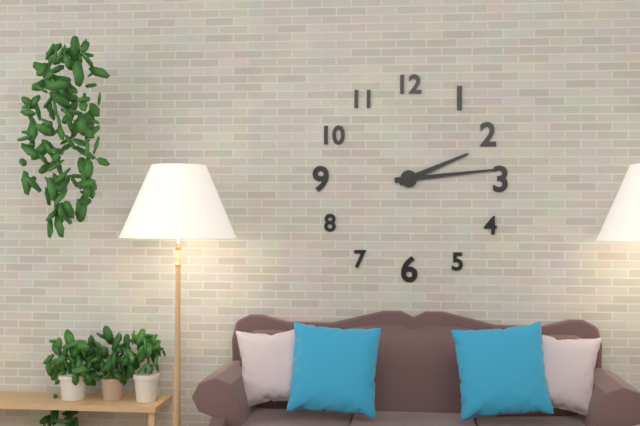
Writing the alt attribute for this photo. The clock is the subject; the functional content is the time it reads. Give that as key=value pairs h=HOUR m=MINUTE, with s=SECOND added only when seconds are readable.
h=2 m=14
